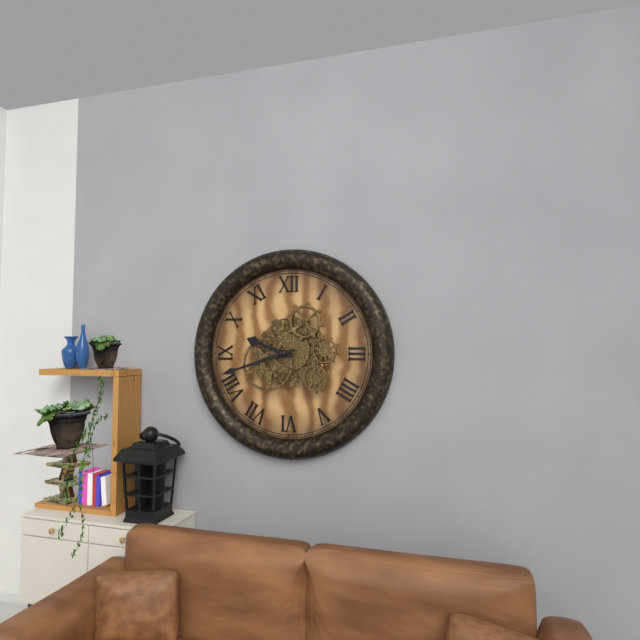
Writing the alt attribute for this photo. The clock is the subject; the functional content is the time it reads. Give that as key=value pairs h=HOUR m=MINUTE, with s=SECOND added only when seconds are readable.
h=9 m=42
